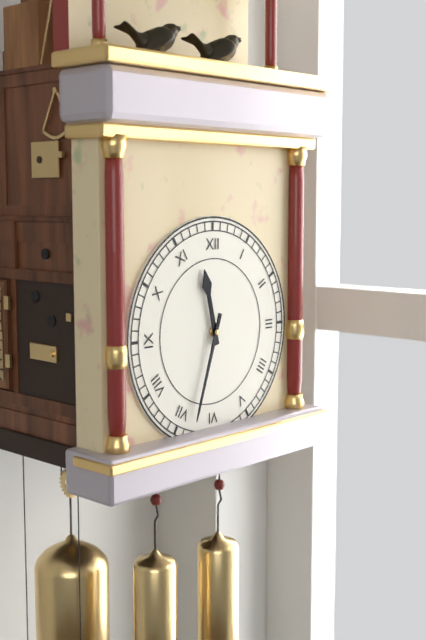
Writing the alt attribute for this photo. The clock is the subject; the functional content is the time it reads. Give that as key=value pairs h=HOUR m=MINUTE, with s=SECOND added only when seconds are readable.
h=11 m=33
